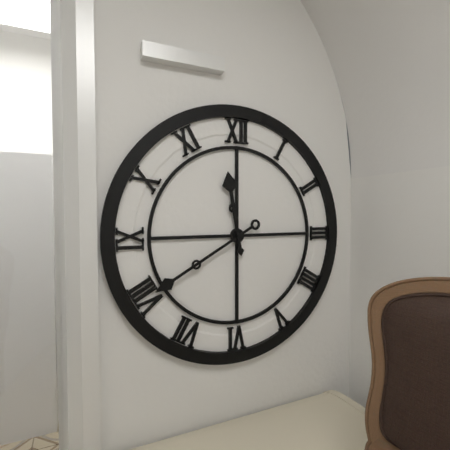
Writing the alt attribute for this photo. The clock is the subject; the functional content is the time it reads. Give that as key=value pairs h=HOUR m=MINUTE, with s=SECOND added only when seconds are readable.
h=11 m=40
